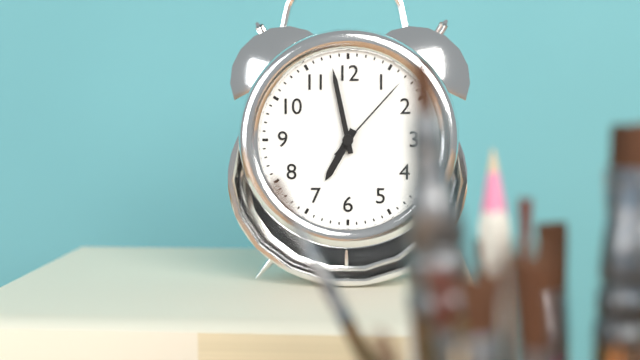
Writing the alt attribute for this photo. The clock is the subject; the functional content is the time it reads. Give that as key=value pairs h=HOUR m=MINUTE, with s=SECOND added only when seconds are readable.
h=6 m=58 s=7
